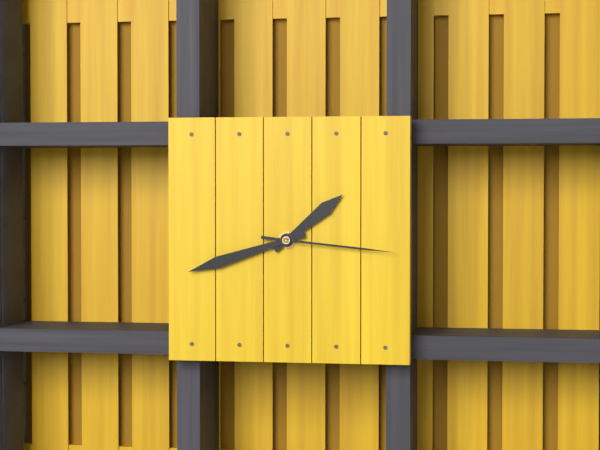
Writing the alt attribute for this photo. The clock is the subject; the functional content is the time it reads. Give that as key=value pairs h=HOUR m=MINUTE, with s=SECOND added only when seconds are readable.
h=1 m=42 s=16
